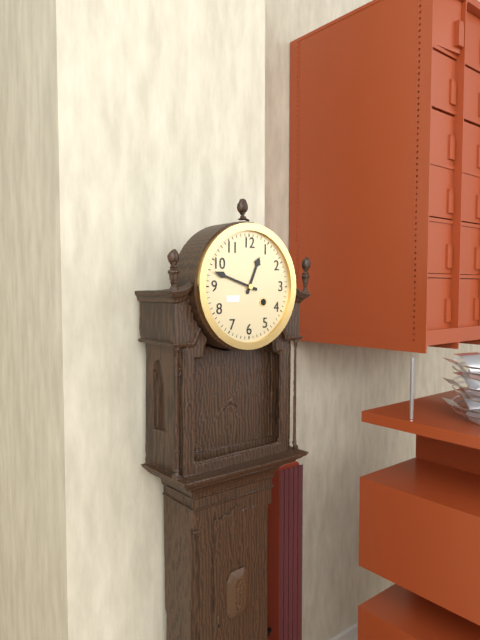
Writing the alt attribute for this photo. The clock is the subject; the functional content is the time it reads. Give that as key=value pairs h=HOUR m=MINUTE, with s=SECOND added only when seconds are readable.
h=12 m=48
